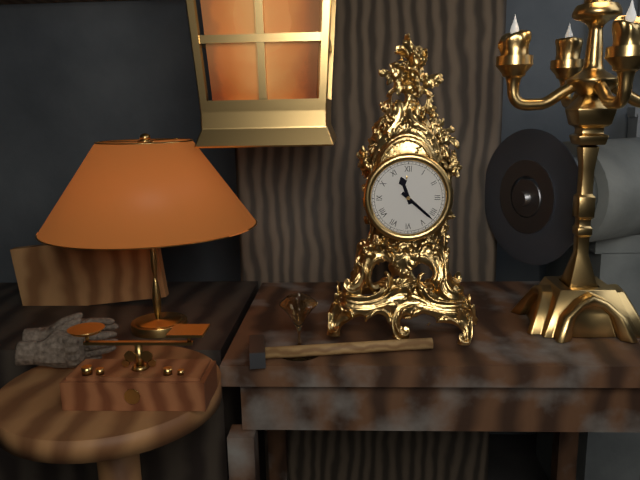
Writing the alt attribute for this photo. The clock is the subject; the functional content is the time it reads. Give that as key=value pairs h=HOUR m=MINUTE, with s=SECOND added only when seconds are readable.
h=11 m=22
